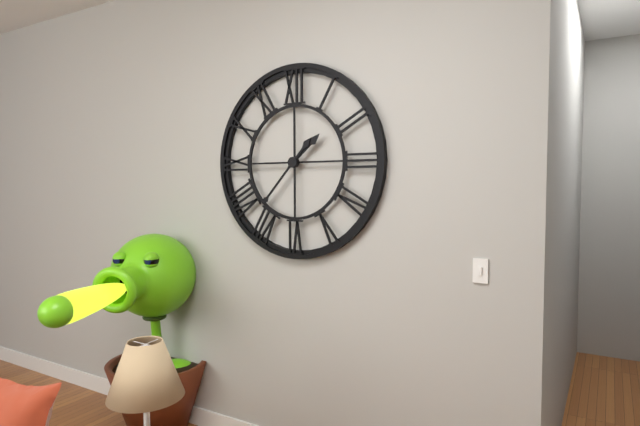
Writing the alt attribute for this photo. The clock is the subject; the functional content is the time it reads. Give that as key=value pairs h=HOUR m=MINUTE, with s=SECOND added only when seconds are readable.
h=1 m=37
